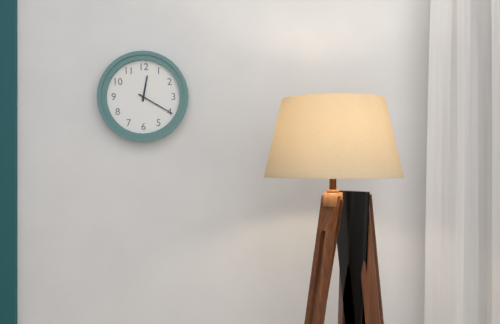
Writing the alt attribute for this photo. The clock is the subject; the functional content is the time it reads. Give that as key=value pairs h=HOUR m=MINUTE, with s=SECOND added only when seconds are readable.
h=12 m=20
